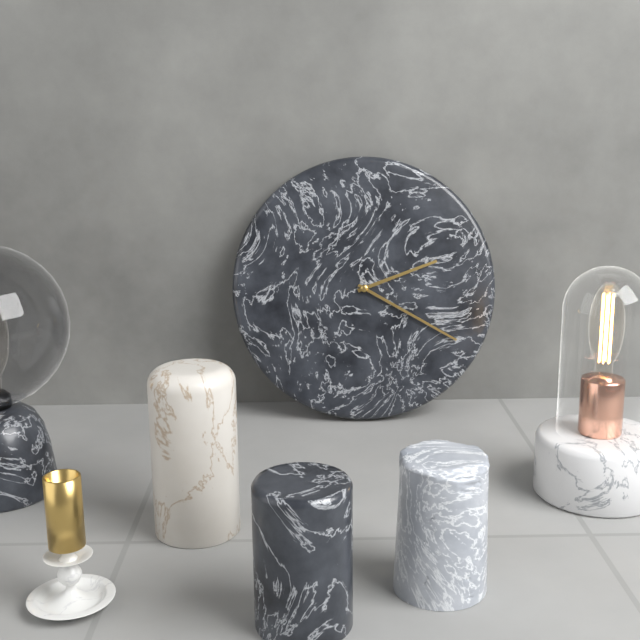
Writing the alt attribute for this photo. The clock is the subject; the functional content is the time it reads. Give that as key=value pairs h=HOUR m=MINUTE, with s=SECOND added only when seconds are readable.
h=2 m=20
